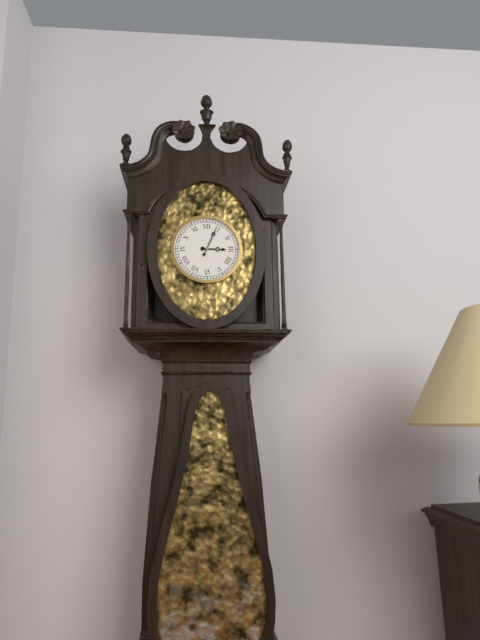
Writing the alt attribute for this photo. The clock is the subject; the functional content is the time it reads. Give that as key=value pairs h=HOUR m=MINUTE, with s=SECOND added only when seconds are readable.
h=3 m=4
